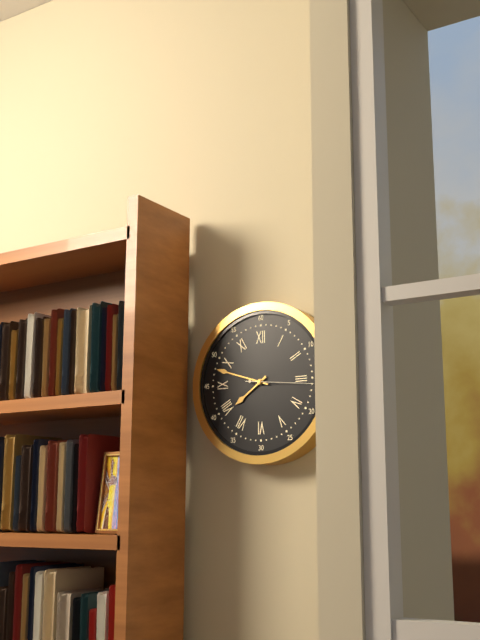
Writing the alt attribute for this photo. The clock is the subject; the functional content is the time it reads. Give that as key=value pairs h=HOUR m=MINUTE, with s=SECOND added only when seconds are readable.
h=7 m=48 s=16
